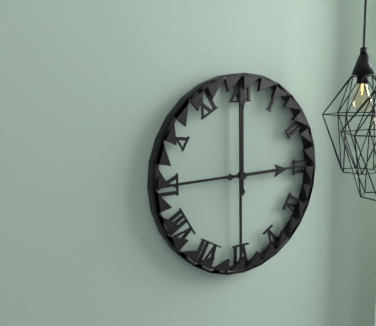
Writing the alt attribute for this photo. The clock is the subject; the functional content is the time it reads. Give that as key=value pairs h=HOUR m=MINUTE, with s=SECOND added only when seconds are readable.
h=3 m=0
